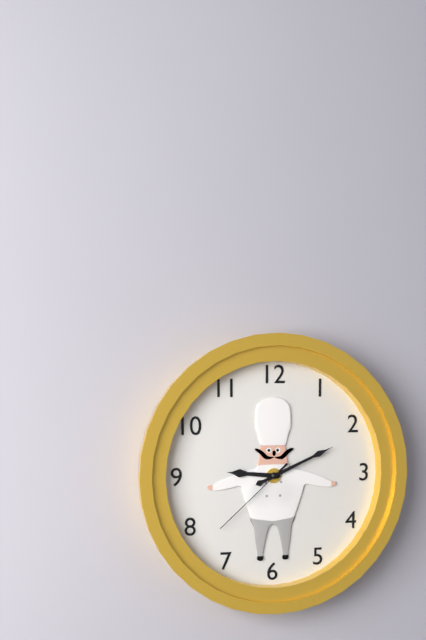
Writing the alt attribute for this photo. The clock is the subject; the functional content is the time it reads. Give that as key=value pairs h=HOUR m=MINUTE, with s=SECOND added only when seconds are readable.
h=9 m=11 s=38
